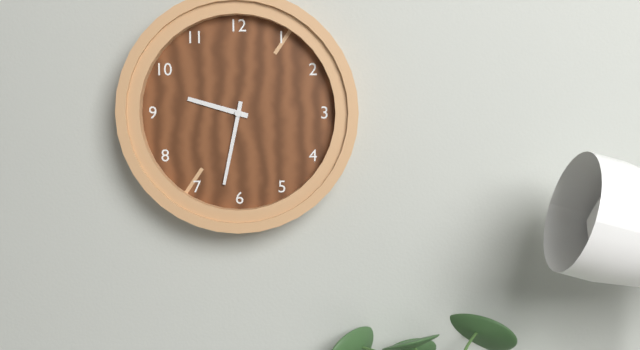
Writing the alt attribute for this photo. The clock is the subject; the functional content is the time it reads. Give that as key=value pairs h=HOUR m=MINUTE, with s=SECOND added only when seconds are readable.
h=9 m=32
